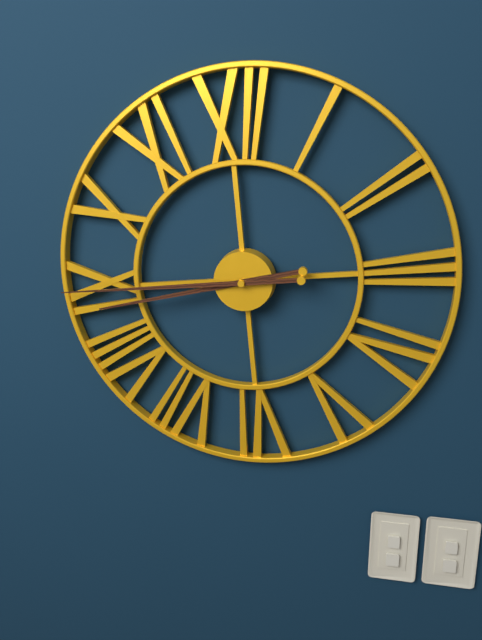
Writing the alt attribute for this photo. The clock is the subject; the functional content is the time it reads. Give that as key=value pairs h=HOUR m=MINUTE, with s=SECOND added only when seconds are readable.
h=8 m=45
